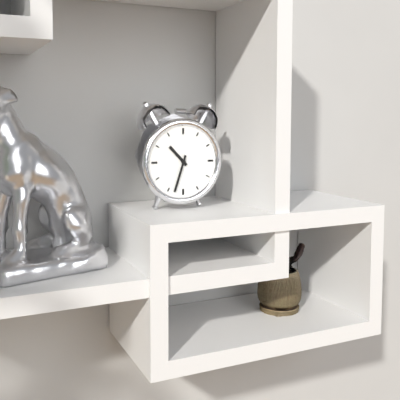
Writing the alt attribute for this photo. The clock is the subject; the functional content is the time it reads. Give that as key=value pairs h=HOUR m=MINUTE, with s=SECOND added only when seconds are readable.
h=10 m=33
